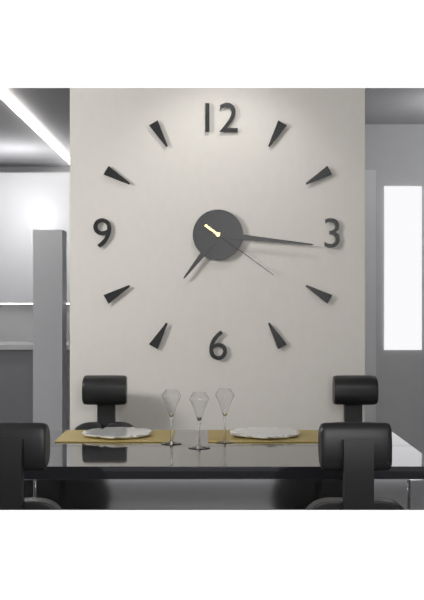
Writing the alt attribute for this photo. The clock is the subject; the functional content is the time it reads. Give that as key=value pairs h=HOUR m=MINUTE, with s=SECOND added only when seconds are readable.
h=7 m=16 s=21
